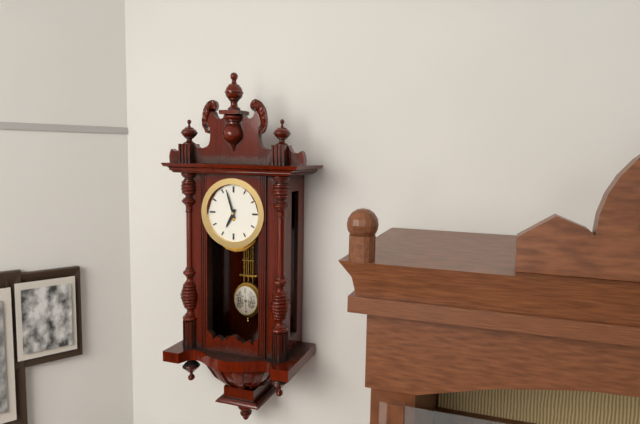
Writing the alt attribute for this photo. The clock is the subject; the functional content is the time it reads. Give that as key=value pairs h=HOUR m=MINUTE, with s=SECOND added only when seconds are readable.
h=6 m=57
